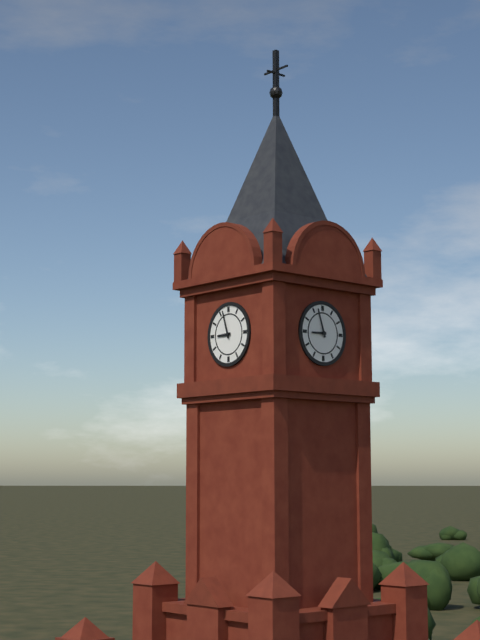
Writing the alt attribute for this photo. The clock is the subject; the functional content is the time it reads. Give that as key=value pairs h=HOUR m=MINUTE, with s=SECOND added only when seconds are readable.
h=8 m=57
